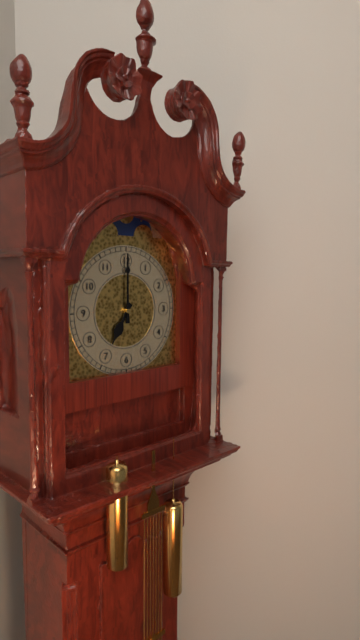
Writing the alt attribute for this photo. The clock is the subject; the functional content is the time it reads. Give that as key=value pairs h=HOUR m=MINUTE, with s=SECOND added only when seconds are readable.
h=7 m=0
